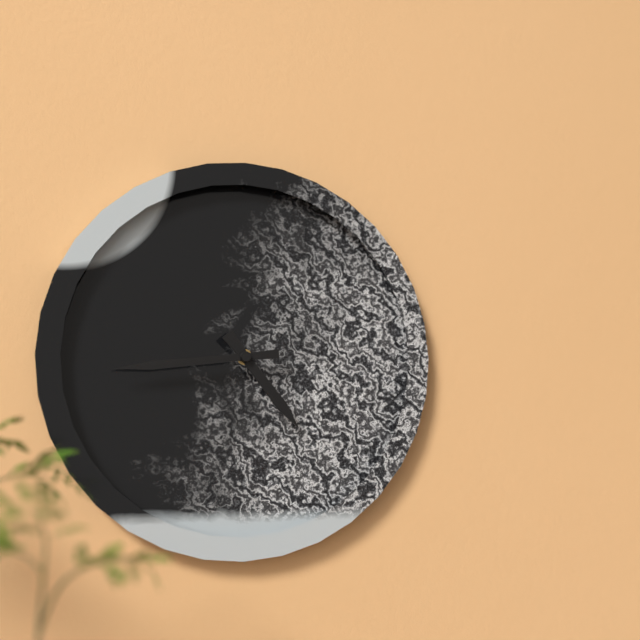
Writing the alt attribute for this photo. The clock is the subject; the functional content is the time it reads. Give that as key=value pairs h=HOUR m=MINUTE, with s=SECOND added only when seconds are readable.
h=4 m=44
